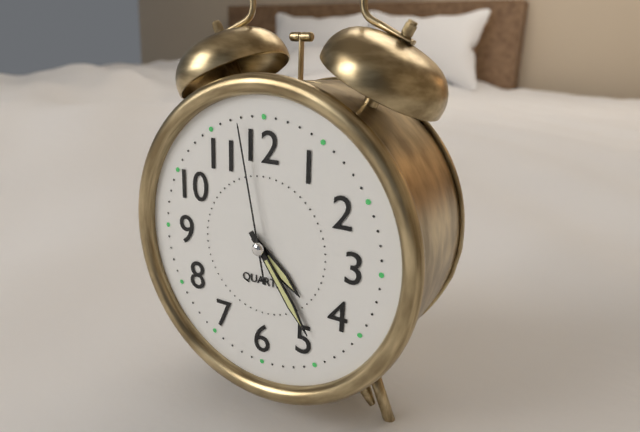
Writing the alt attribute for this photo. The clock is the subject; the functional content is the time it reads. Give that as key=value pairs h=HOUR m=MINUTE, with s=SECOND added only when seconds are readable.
h=4 m=24 s=58
